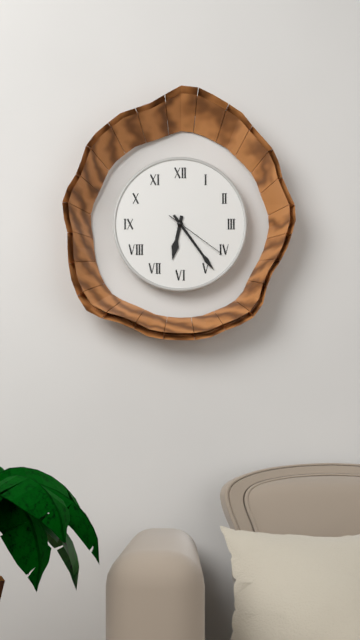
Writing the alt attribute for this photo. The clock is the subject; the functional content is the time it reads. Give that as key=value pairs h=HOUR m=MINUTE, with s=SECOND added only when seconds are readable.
h=6 m=24 s=21
